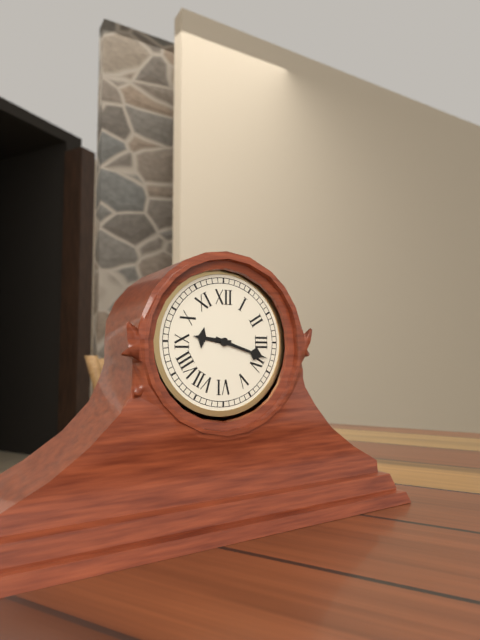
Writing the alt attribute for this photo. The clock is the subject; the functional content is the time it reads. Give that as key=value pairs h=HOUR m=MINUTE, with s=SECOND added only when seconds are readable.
h=9 m=18
